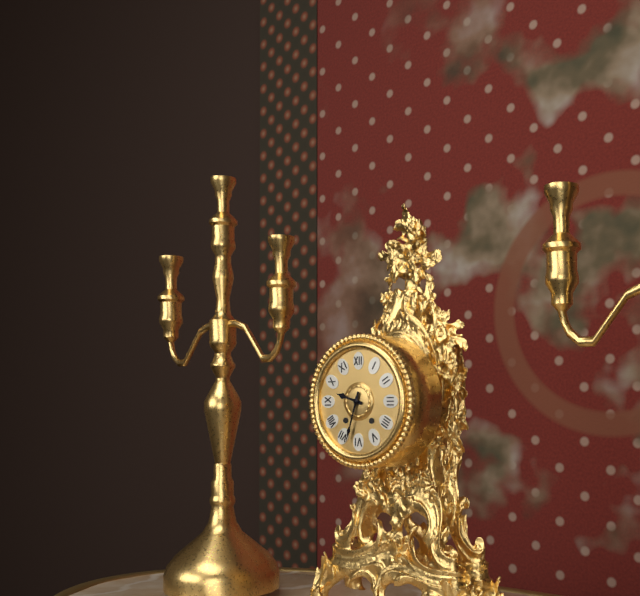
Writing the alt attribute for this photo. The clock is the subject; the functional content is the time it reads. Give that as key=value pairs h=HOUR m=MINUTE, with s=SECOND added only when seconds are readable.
h=9 m=33
